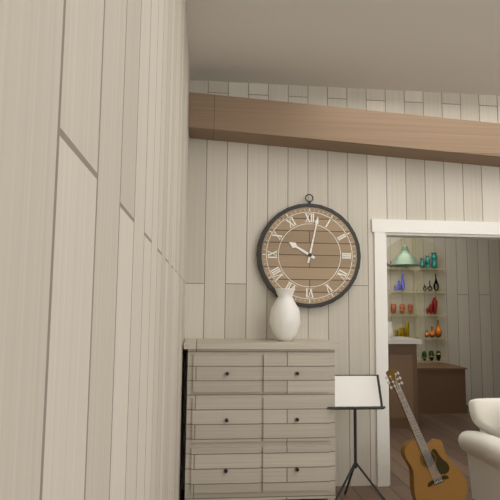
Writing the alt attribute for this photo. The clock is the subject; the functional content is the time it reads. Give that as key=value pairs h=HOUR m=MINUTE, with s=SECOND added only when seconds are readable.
h=10 m=2
